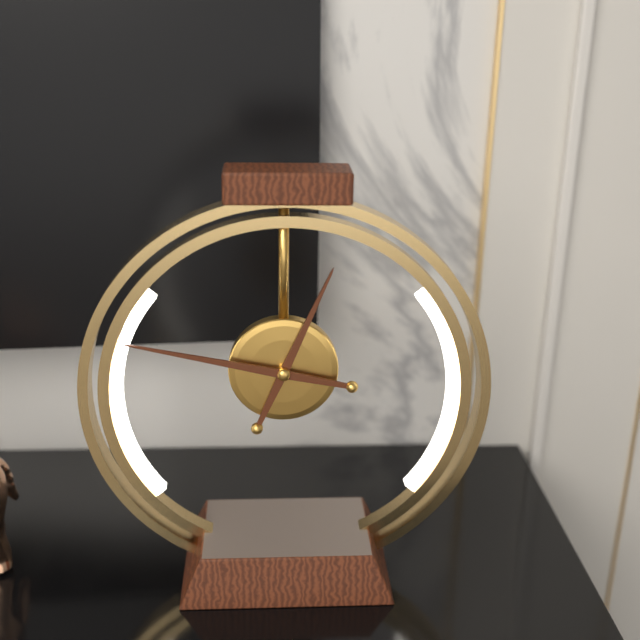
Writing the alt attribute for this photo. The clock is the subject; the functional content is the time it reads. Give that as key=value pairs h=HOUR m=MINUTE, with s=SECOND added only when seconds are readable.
h=12 m=47
